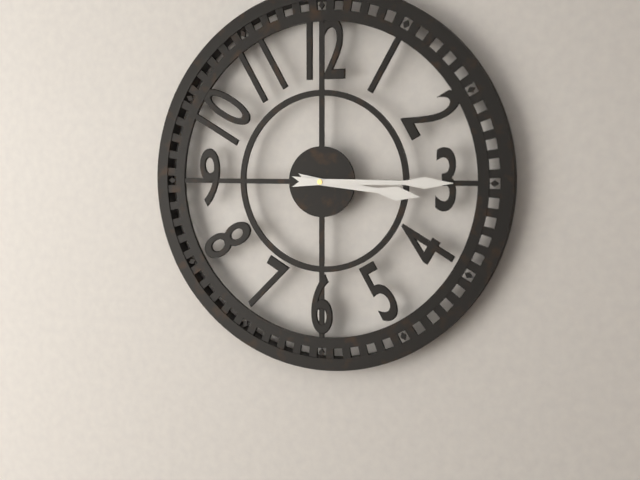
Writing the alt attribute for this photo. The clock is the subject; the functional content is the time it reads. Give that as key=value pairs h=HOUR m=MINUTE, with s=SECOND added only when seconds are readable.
h=3 m=15
